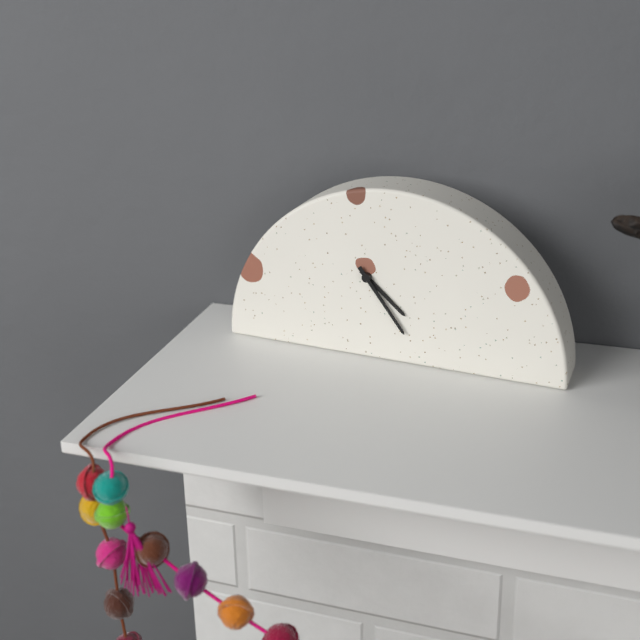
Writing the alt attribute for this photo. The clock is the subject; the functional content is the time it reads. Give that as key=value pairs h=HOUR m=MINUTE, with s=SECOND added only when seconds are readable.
h=4 m=24
